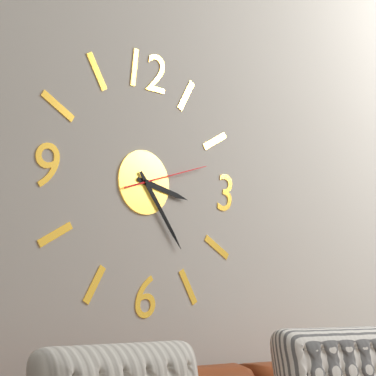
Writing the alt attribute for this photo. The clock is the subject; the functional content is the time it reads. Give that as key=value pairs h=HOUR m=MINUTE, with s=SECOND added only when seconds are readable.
h=3 m=24 s=12
